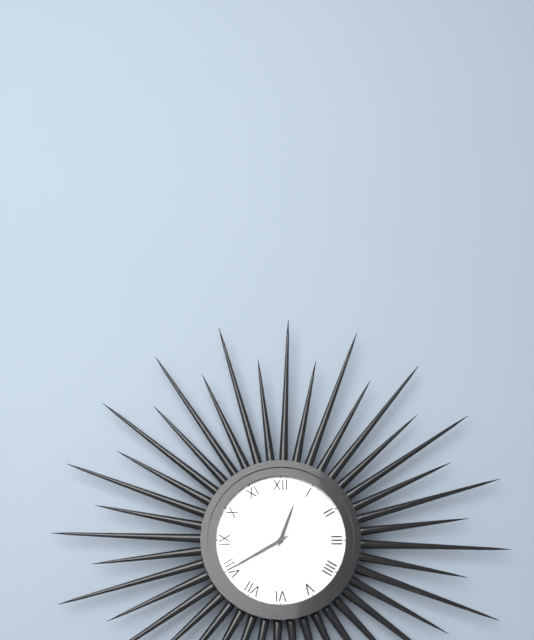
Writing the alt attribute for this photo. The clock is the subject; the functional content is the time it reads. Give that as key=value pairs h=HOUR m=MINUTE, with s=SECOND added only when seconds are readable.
h=12 m=40
